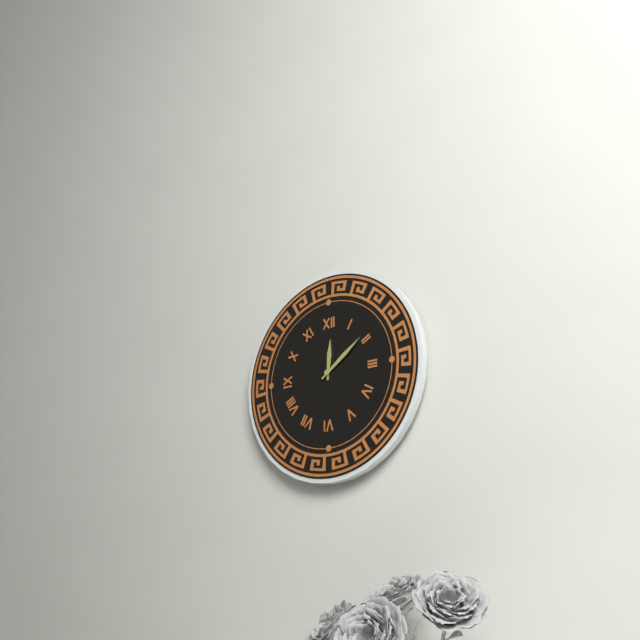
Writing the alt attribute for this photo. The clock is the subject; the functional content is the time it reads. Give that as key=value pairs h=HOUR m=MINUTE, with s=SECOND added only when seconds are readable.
h=12 m=9
